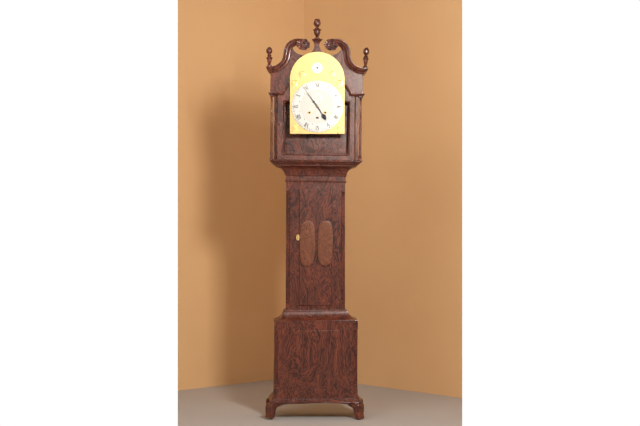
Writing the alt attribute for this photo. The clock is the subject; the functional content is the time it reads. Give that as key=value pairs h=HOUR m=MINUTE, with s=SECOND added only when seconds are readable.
h=4 m=54
